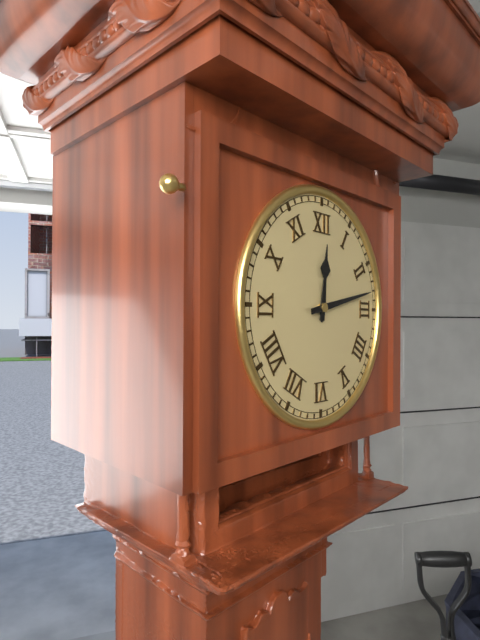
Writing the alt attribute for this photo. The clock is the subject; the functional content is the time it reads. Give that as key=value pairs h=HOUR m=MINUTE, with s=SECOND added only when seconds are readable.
h=12 m=13
